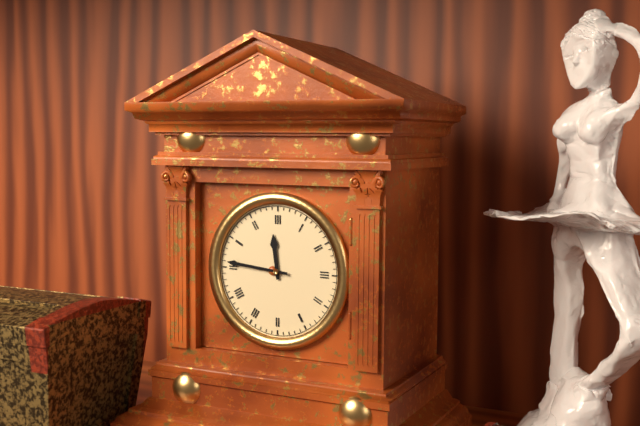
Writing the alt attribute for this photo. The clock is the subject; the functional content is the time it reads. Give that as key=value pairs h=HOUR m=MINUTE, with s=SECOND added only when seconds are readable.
h=11 m=46
